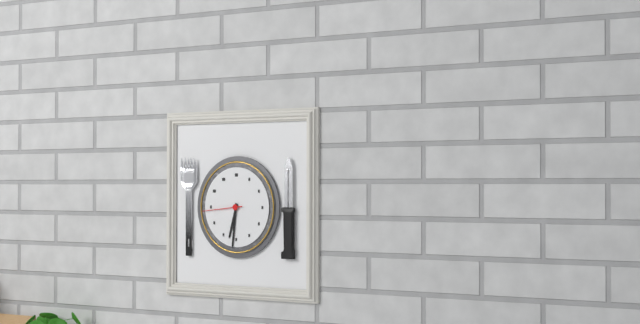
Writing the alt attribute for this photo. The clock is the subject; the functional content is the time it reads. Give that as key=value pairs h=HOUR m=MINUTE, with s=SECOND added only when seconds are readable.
h=6 m=31
